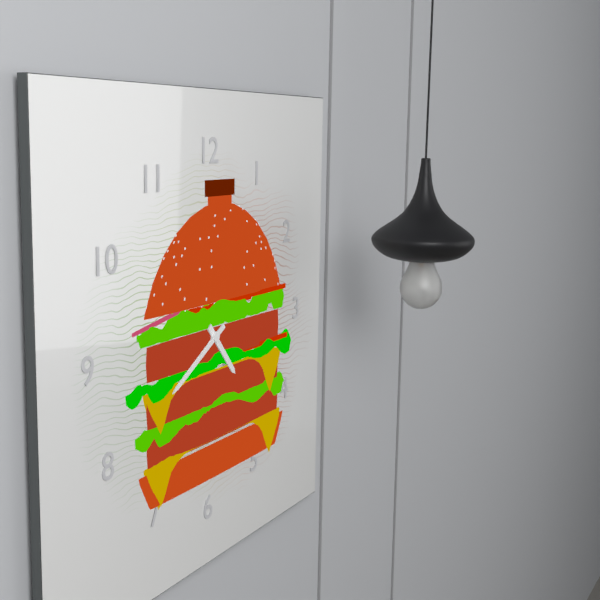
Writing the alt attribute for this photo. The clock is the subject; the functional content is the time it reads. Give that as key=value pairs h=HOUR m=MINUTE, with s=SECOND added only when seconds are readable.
h=4 m=40
